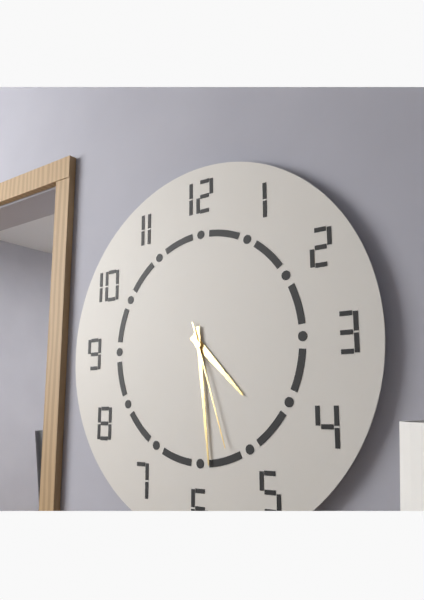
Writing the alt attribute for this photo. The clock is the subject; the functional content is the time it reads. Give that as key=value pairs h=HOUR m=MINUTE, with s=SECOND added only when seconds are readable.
h=4 m=29 s=27
